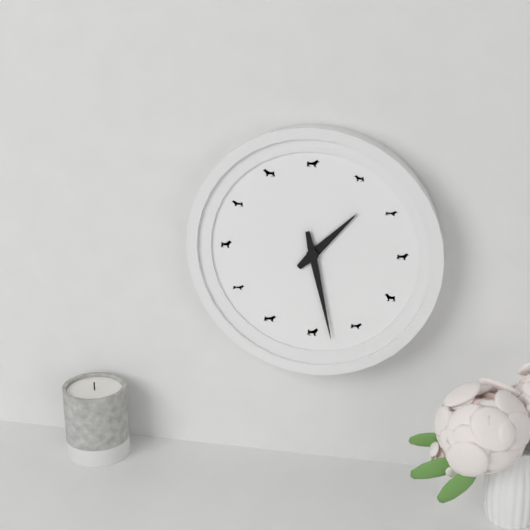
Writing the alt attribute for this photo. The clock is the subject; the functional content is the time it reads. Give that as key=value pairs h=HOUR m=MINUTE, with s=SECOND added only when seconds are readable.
h=1 m=28
